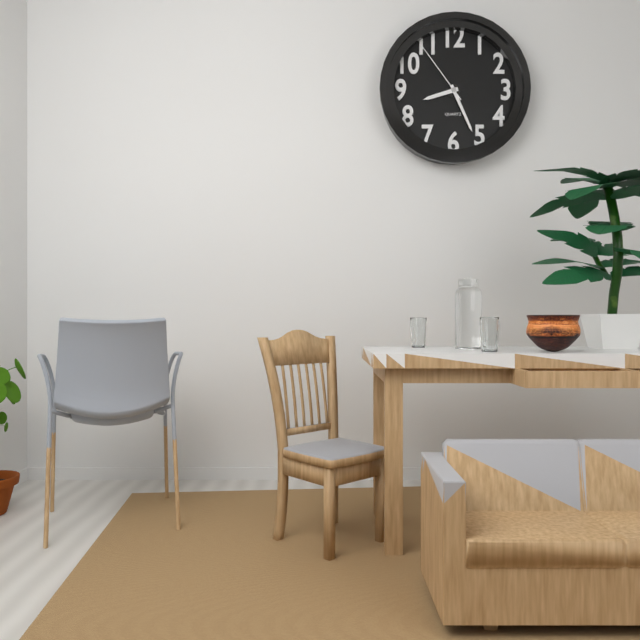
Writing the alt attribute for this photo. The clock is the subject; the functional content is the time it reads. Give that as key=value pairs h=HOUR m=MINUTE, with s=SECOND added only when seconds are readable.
h=8 m=26 s=54
